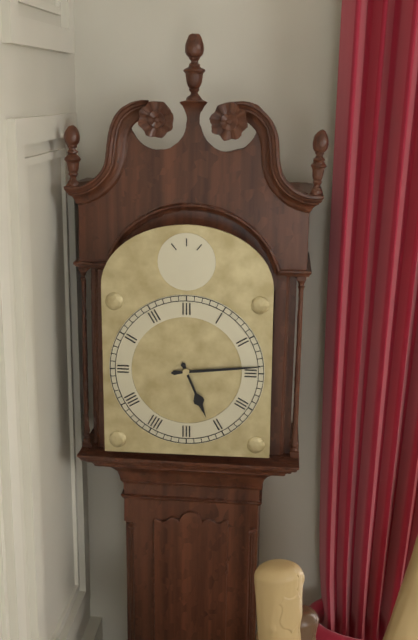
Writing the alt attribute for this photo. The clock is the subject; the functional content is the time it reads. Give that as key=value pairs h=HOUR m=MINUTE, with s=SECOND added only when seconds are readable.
h=5 m=14
